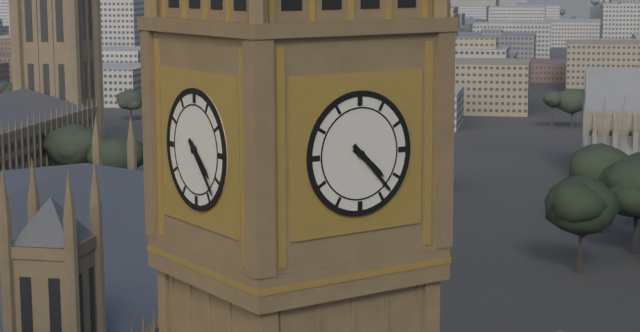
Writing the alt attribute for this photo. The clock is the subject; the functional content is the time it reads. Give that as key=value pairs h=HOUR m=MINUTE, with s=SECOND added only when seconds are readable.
h=4 m=23
